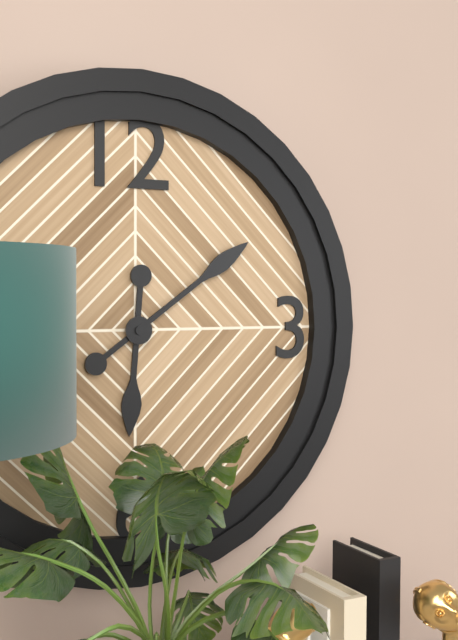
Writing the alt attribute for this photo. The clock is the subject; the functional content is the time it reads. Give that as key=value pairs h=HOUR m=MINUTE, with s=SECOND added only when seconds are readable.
h=6 m=9
